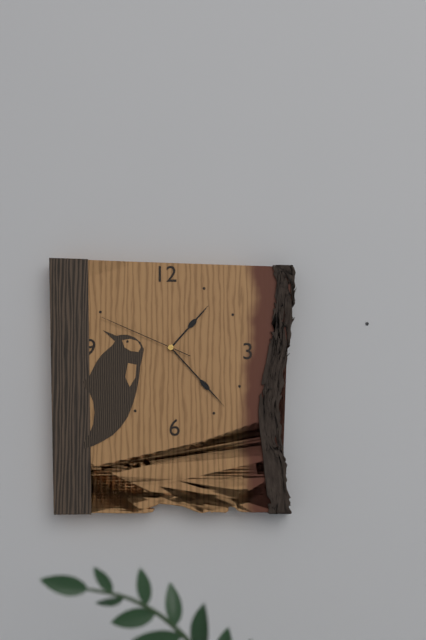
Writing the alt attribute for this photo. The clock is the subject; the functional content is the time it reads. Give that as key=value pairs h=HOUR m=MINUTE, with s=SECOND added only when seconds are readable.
h=1 m=23 s=49
